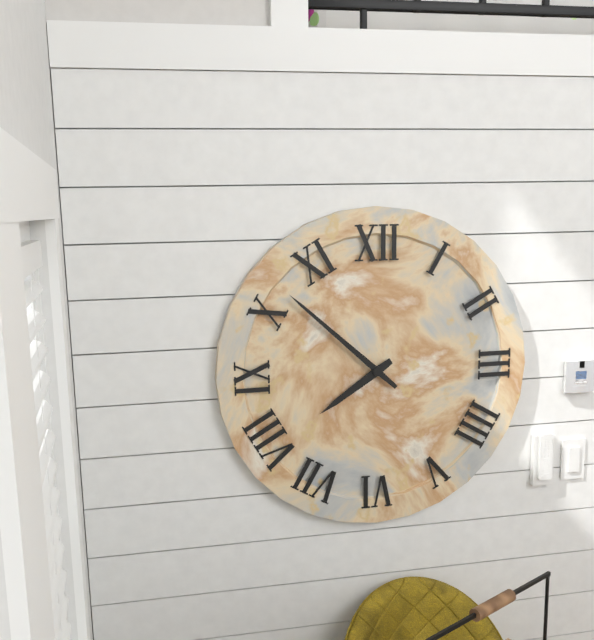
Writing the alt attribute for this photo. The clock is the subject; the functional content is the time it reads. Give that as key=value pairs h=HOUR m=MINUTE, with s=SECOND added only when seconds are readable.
h=7 m=52
